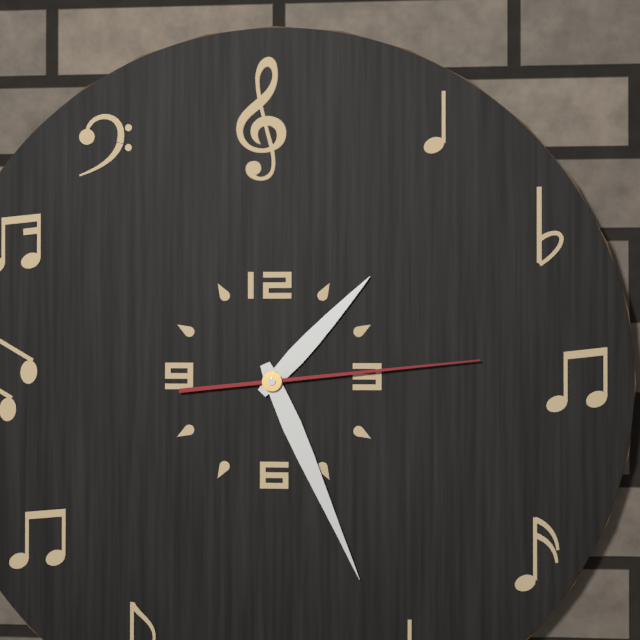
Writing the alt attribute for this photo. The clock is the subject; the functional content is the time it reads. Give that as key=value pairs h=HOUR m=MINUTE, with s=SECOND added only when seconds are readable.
h=1 m=26 s=14
